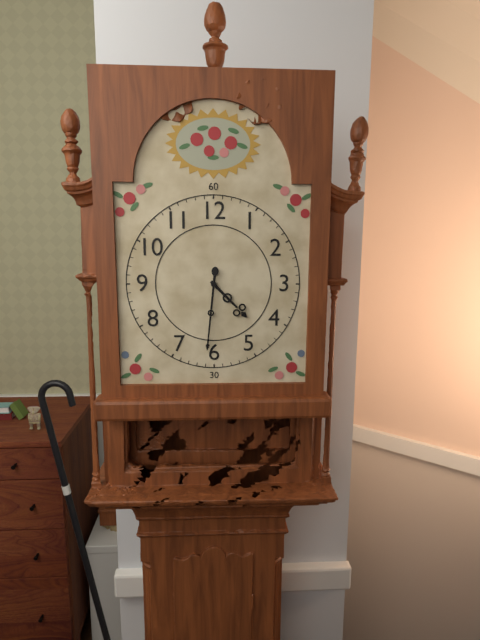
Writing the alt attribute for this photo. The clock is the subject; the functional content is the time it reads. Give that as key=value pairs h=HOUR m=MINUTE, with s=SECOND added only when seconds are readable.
h=4 m=31
